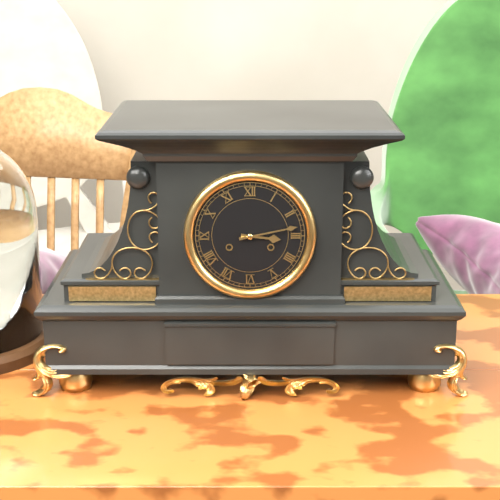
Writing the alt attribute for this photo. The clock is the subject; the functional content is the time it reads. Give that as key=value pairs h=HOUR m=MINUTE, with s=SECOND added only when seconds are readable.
h=3 m=13
